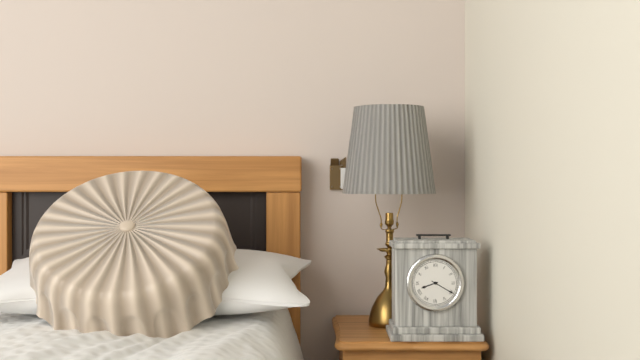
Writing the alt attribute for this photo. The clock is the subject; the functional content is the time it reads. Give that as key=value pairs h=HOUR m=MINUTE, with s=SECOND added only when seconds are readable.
h=8 m=20
